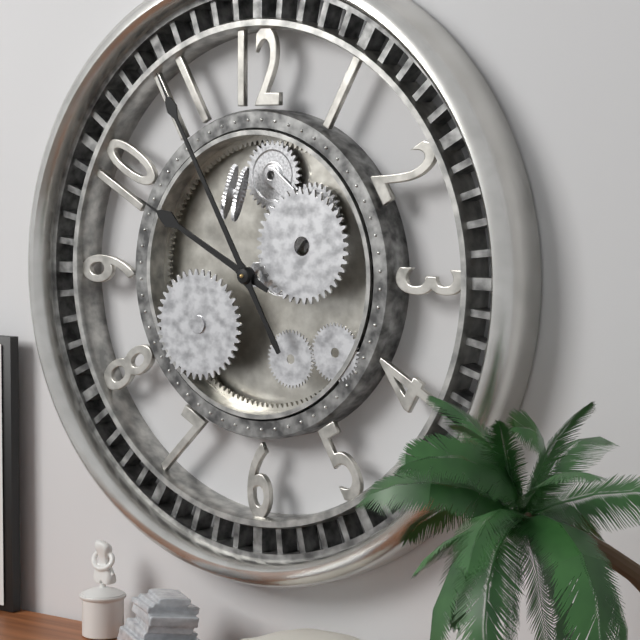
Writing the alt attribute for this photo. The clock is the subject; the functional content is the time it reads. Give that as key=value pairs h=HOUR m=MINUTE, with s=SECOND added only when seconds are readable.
h=9 m=55
